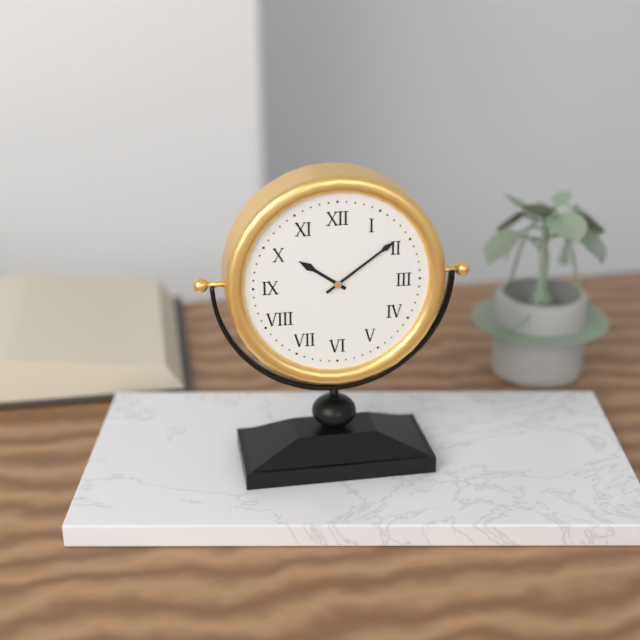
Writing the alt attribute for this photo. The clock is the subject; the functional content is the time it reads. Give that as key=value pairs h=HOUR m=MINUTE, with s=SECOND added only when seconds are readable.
h=10 m=9
